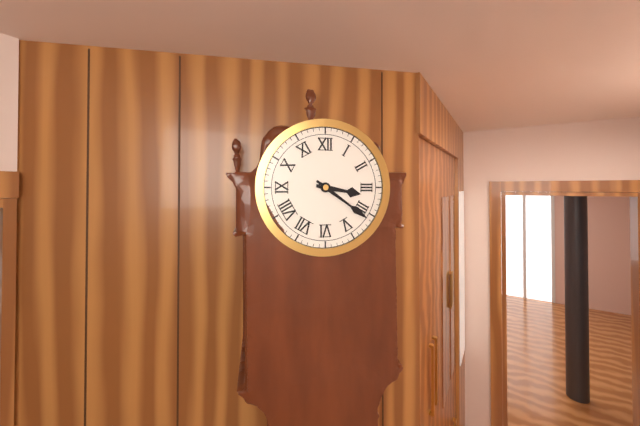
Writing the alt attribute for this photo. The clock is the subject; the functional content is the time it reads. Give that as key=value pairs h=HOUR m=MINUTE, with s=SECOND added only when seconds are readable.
h=3 m=21
